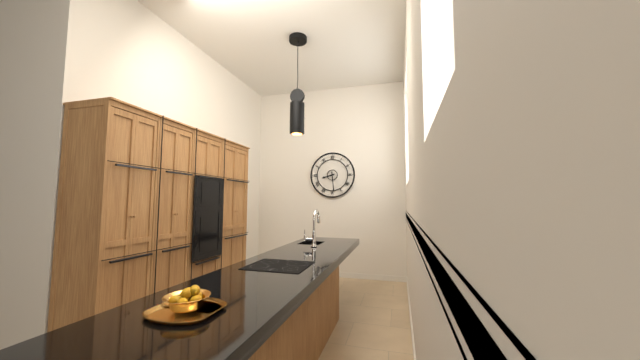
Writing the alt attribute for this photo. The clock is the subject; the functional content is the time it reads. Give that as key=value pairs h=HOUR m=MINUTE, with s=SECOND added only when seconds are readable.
h=8 m=29
